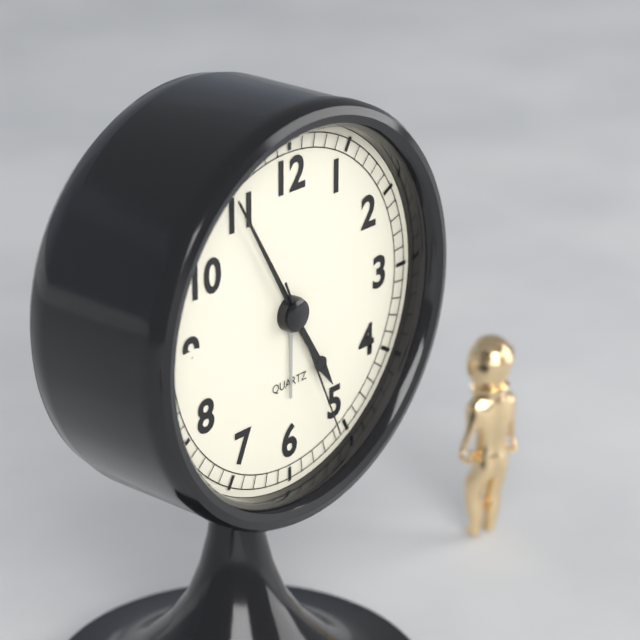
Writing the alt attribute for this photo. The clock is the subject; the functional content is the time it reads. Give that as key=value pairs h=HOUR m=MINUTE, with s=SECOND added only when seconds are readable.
h=4 m=55 s=26
